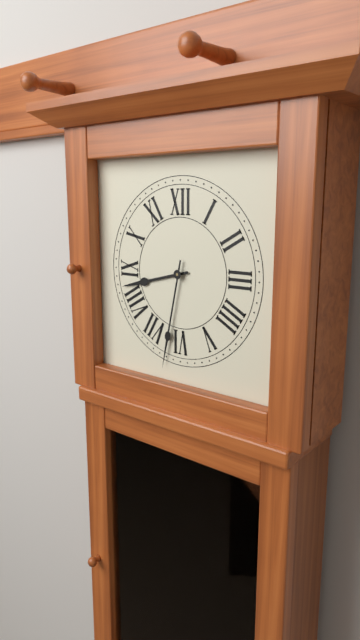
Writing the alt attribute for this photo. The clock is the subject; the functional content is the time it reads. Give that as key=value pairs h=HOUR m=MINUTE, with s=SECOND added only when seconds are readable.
h=8 m=32
